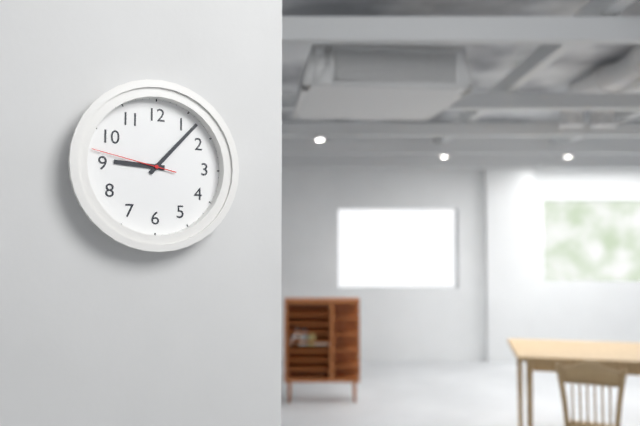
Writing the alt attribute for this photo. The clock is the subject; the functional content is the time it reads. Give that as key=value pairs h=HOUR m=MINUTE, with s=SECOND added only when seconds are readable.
h=9 m=7 s=47
